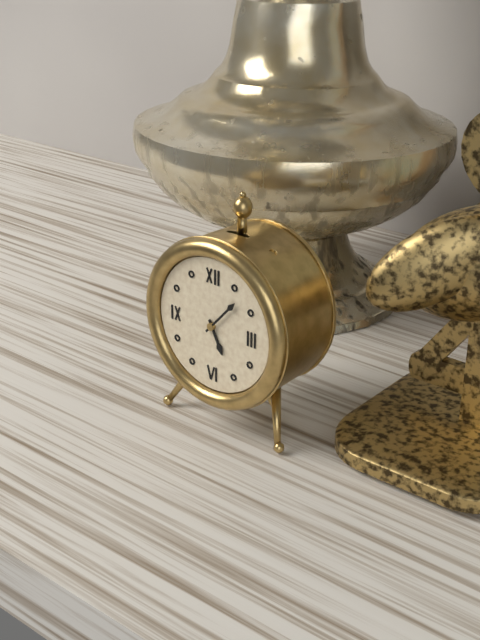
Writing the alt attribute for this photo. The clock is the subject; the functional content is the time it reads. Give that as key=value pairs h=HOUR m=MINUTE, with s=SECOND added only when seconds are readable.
h=5 m=7
